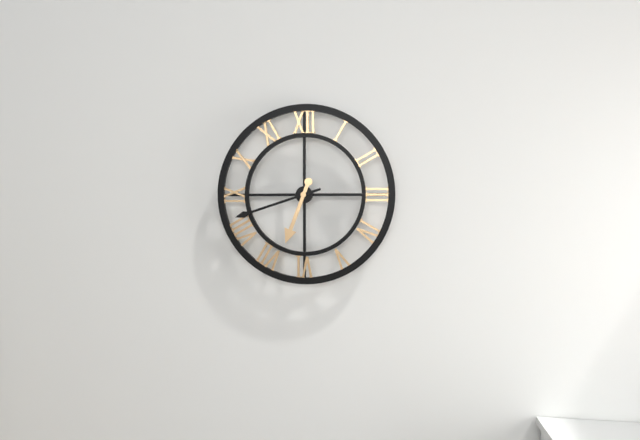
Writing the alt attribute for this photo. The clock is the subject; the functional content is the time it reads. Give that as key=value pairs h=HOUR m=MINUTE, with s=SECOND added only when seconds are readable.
h=6 m=42
